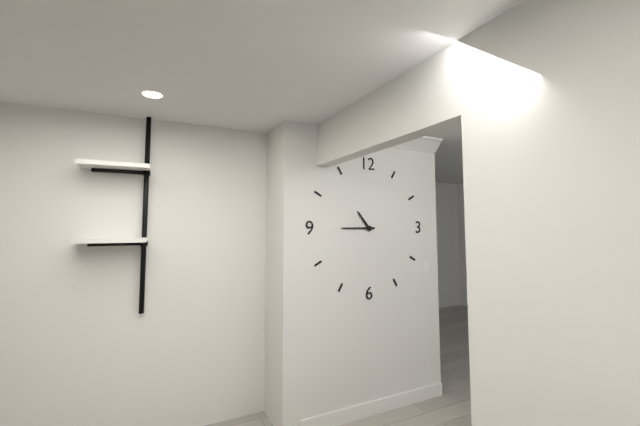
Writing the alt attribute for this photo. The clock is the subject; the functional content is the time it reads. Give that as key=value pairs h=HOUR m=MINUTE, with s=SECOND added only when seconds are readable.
h=10 m=45
